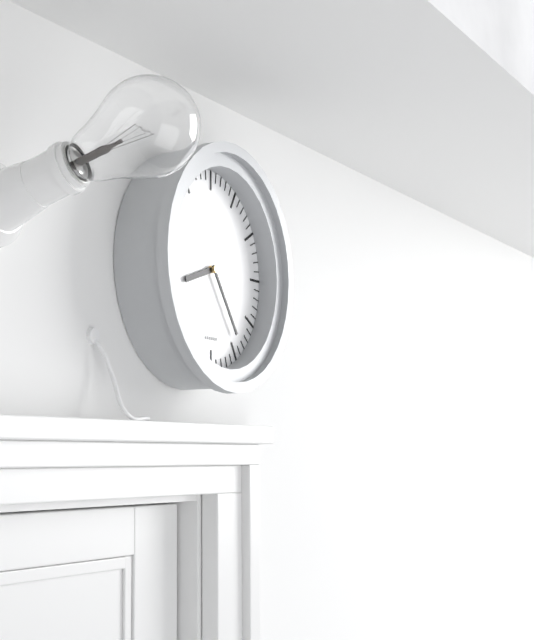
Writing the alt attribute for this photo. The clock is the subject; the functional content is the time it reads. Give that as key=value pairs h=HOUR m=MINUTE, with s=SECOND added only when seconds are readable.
h=8 m=24
